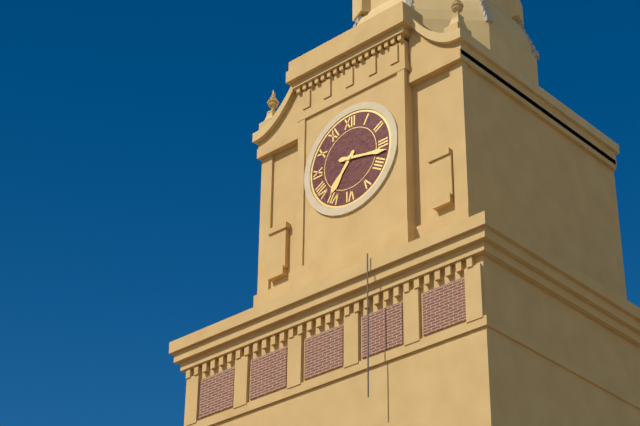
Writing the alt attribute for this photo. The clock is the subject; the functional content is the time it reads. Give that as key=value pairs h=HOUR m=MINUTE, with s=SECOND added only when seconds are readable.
h=7 m=17
